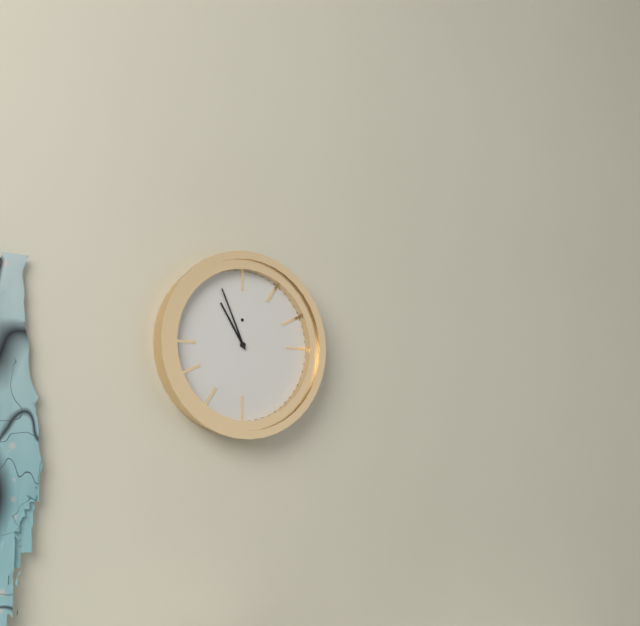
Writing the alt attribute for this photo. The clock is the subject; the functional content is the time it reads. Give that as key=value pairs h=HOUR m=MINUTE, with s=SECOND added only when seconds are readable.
h=10 m=56
